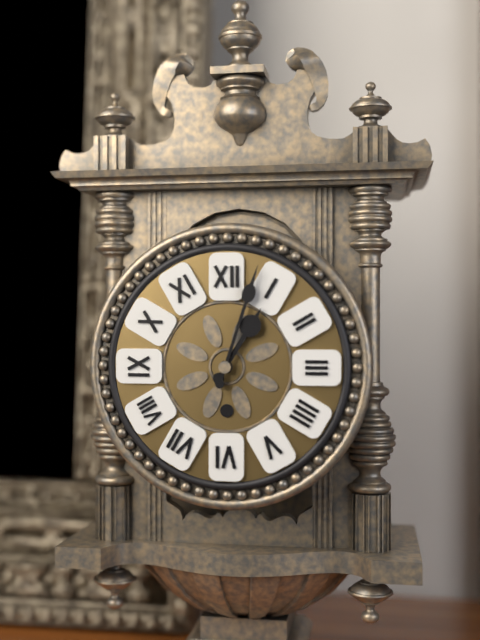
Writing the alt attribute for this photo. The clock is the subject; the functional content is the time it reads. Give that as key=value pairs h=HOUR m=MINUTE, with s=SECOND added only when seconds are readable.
h=1 m=3
